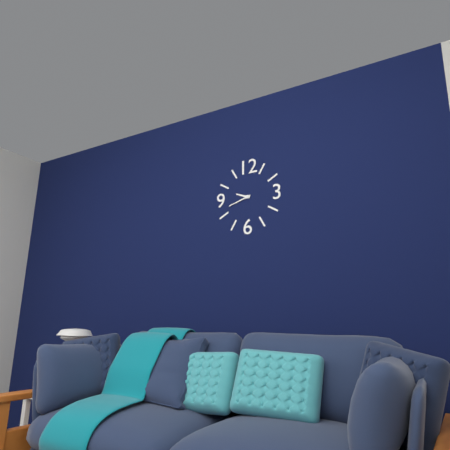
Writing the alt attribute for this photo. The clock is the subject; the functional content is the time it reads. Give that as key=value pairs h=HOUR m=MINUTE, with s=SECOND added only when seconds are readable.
h=9 m=42
